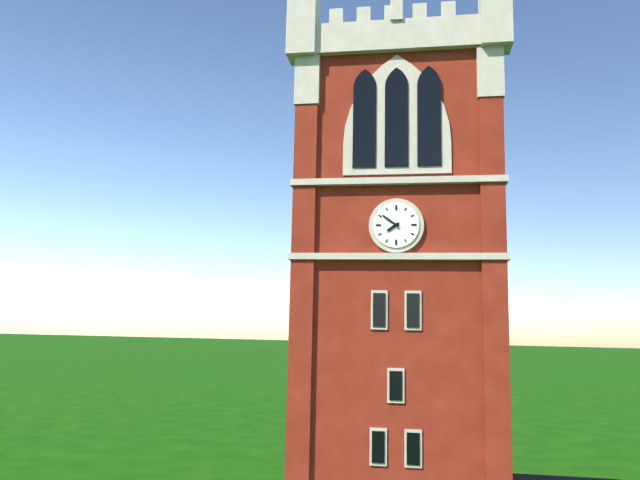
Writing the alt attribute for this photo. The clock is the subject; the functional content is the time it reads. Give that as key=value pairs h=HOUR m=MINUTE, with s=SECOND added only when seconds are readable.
h=7 m=51
